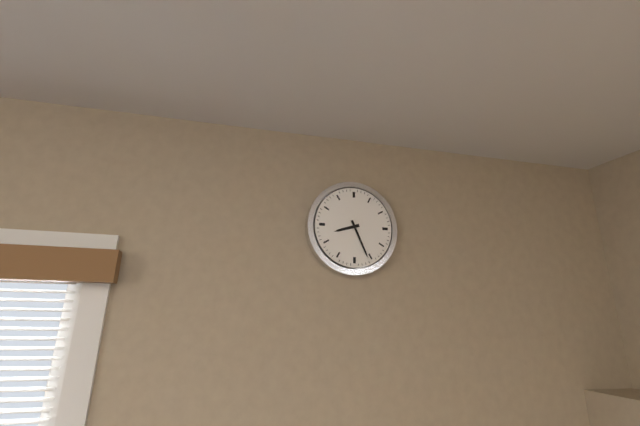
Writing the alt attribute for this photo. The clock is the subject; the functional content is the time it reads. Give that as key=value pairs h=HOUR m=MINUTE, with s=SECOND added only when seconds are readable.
h=8 m=26
